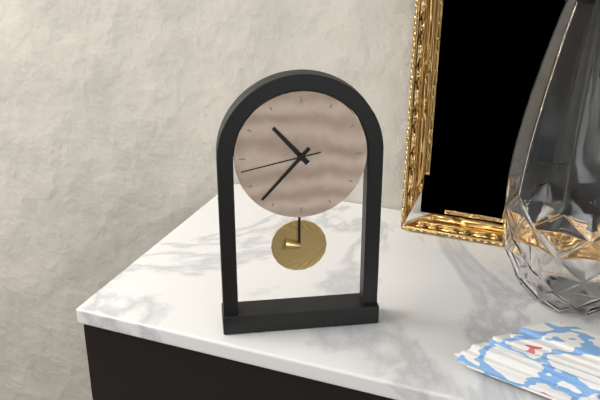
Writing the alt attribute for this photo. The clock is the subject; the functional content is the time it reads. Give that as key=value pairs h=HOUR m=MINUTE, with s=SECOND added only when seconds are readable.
h=10 m=37 s=43
